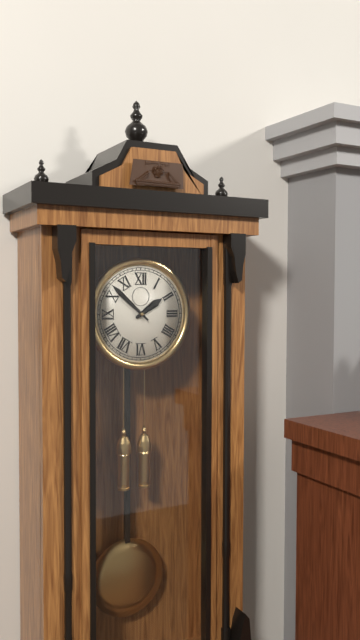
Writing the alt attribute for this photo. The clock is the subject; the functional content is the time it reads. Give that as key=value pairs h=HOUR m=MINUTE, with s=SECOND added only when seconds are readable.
h=1 m=52
